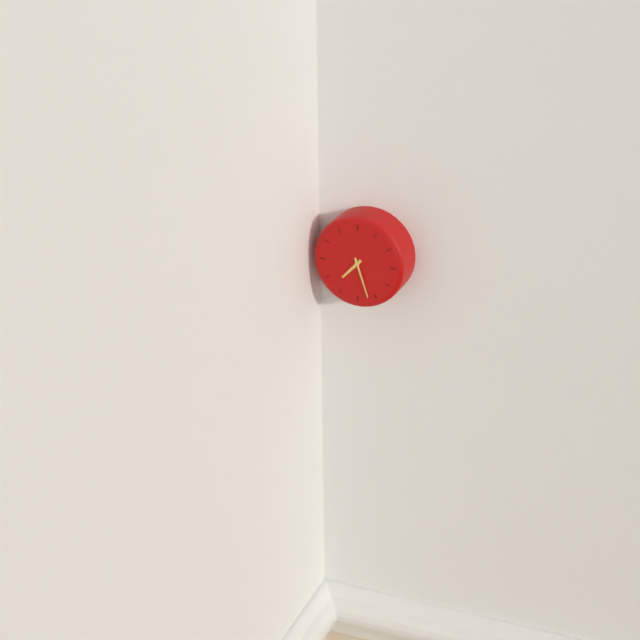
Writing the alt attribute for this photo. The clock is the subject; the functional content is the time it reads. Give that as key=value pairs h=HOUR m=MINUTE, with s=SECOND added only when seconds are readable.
h=7 m=27
